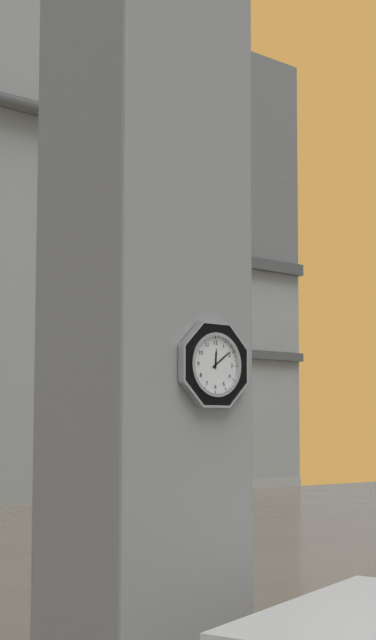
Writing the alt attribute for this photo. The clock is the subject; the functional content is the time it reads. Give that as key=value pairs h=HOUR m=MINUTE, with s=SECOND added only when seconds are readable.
h=12 m=9
